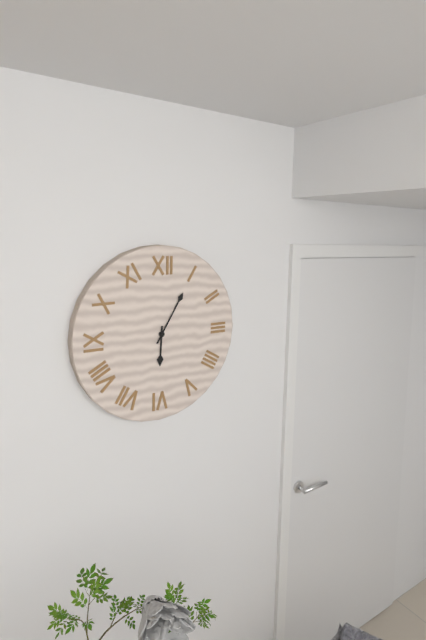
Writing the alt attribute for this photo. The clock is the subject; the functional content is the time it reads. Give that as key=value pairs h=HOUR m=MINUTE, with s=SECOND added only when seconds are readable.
h=6 m=5
